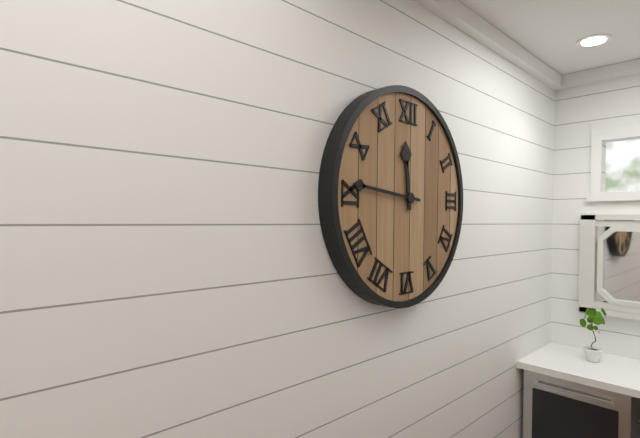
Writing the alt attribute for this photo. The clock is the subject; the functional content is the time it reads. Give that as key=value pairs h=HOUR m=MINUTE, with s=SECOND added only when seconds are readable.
h=11 m=46
